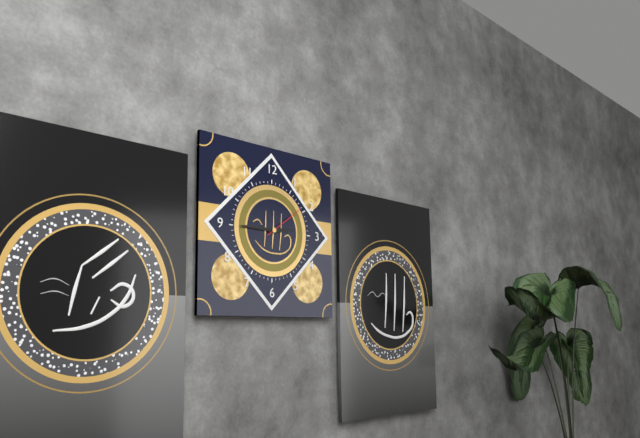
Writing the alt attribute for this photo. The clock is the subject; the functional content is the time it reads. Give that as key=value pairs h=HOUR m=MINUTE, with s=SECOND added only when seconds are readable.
h=2 m=45
